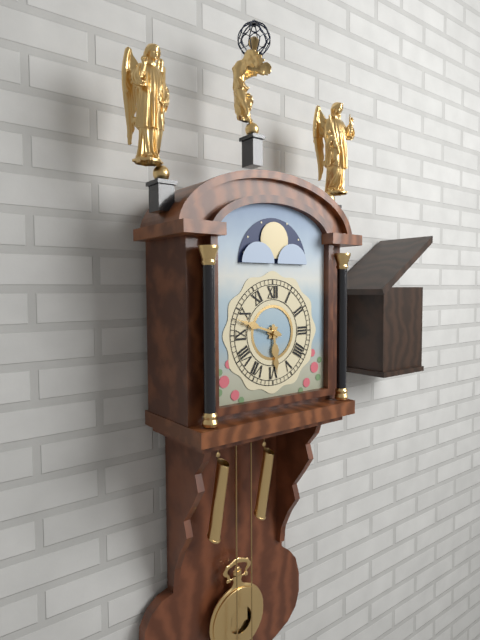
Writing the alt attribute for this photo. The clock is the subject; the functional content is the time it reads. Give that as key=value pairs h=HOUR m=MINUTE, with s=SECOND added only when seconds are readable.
h=5 m=48
